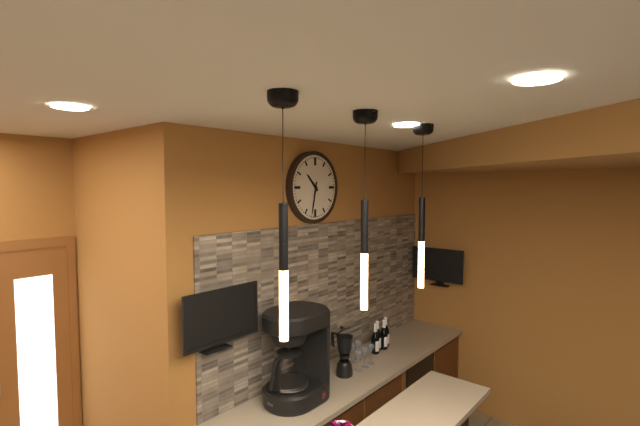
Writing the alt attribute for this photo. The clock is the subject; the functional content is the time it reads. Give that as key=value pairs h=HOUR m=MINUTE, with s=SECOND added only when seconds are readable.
h=10 m=32
